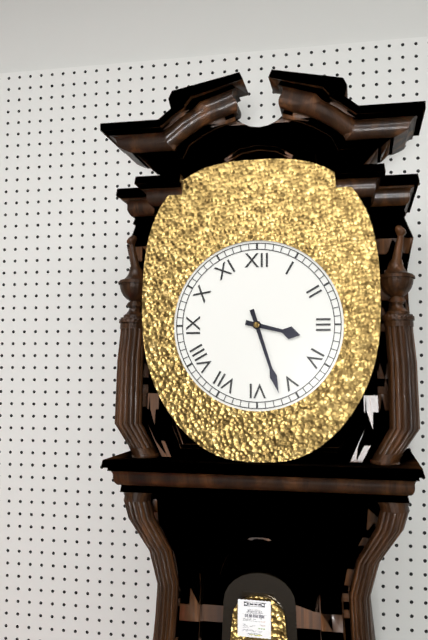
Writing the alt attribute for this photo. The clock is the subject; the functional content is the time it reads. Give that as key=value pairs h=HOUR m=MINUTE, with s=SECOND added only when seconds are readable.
h=3 m=27
